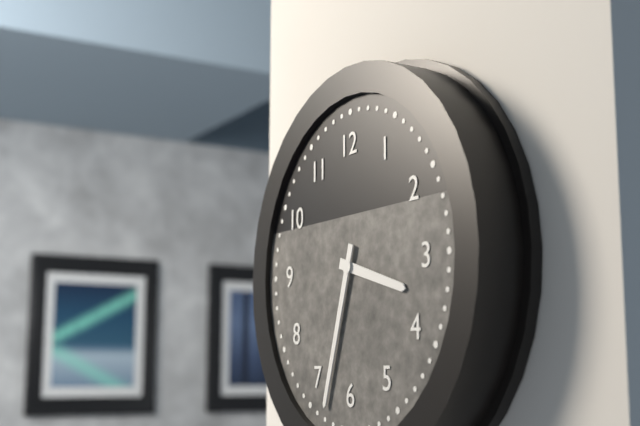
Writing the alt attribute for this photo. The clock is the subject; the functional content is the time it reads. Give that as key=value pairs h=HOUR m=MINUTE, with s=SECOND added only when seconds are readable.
h=3 m=33
